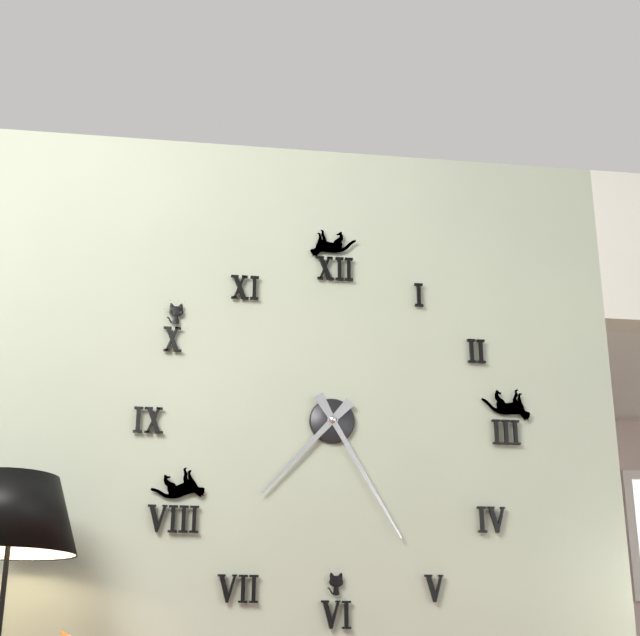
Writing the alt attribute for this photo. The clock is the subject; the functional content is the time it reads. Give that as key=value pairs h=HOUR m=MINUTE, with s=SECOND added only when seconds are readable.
h=7 m=25
